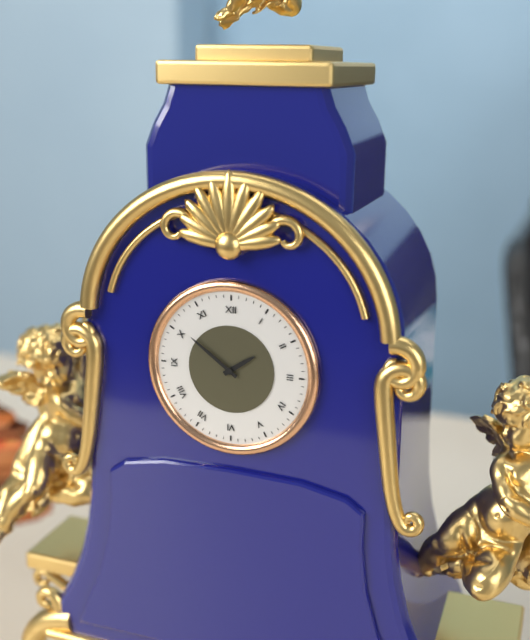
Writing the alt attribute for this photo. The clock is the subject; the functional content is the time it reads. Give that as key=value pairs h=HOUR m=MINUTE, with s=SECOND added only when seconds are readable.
h=1 m=51
